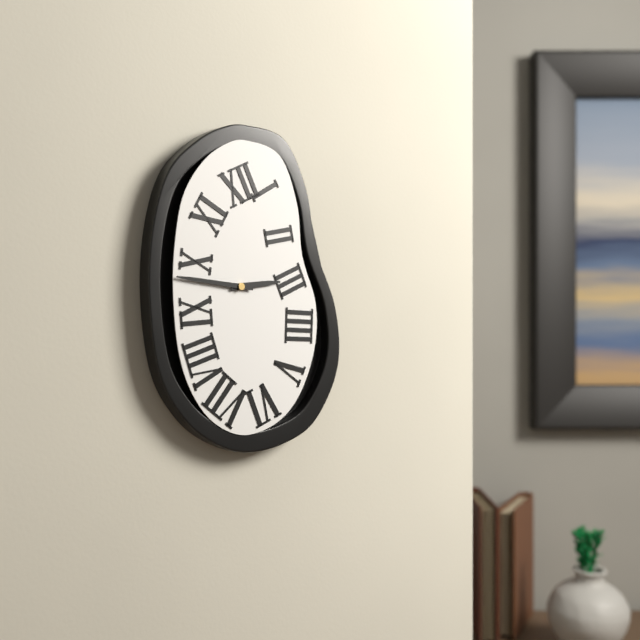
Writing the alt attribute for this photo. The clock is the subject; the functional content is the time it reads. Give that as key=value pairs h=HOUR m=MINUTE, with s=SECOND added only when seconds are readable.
h=2 m=46
